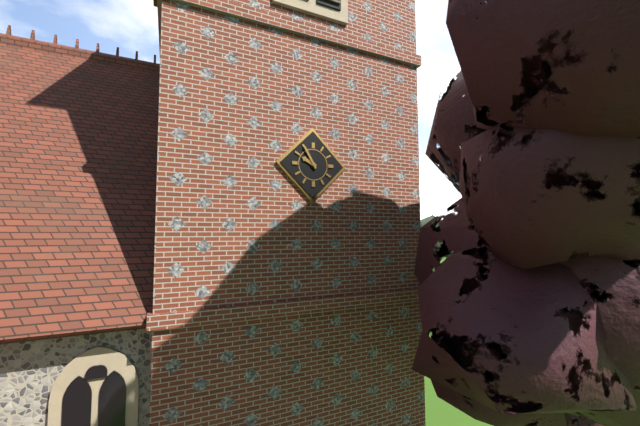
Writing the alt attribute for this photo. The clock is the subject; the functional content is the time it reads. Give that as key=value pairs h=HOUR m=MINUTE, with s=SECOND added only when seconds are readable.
h=9 m=55
